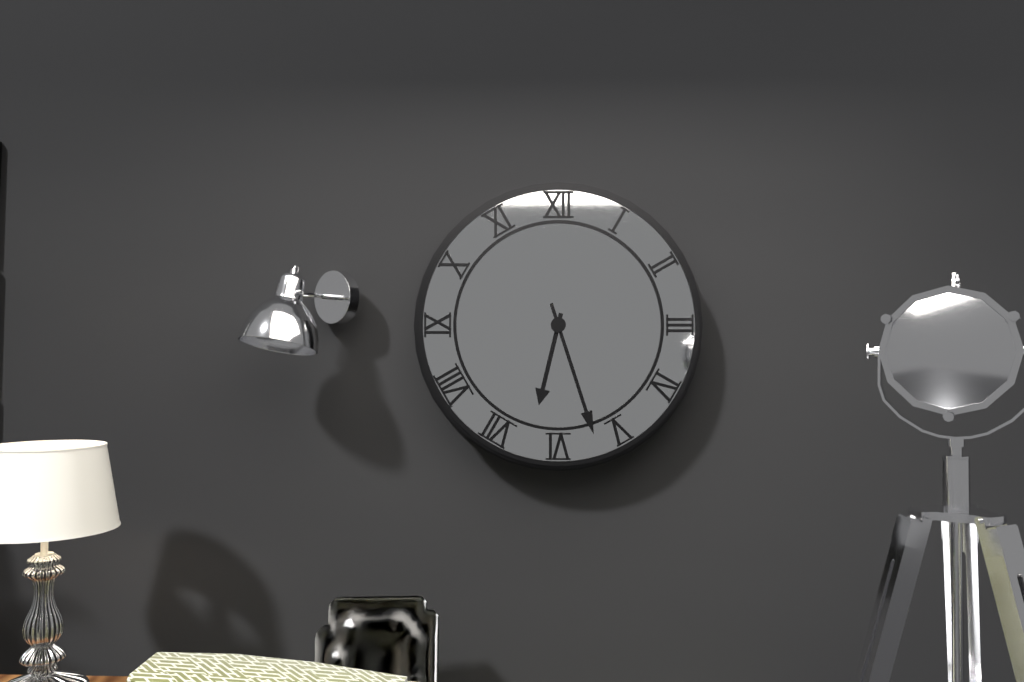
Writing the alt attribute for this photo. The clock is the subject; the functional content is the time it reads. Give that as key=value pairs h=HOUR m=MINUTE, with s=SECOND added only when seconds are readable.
h=6 m=27
